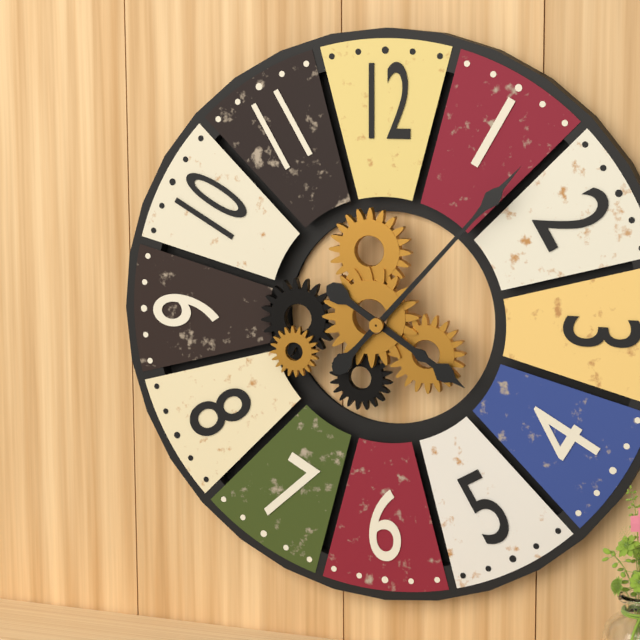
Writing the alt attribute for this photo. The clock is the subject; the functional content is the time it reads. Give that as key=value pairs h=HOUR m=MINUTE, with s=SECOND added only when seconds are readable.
h=4 m=7
